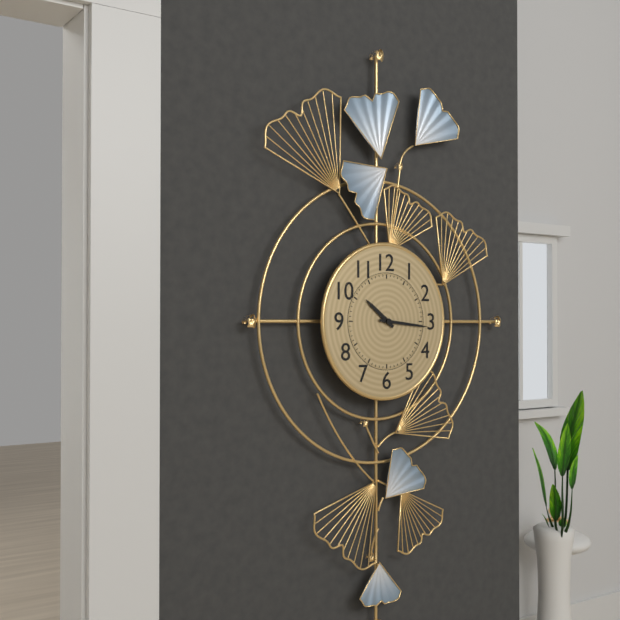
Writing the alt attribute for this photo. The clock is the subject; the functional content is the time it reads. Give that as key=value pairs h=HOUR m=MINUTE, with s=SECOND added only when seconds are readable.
h=10 m=16
